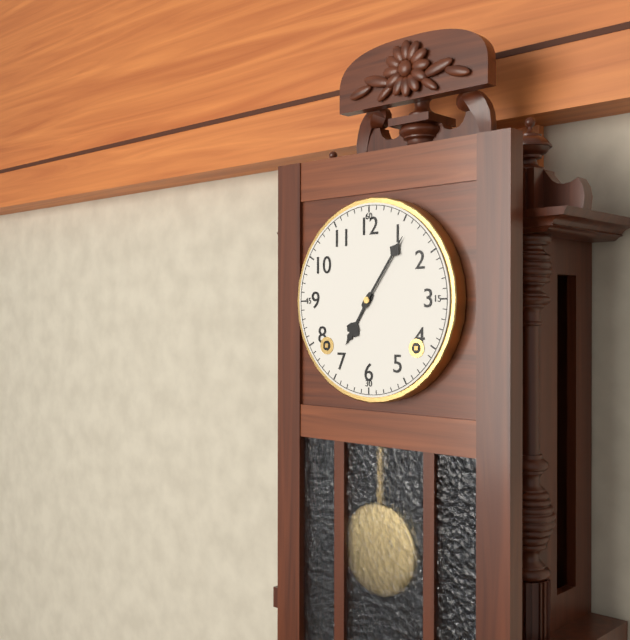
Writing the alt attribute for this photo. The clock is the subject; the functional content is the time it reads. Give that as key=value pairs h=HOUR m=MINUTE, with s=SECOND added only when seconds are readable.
h=7 m=6
